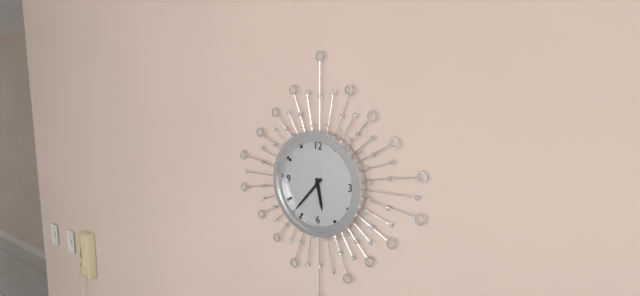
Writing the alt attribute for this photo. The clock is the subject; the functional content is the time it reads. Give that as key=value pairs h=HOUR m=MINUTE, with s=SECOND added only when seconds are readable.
h=5 m=37
